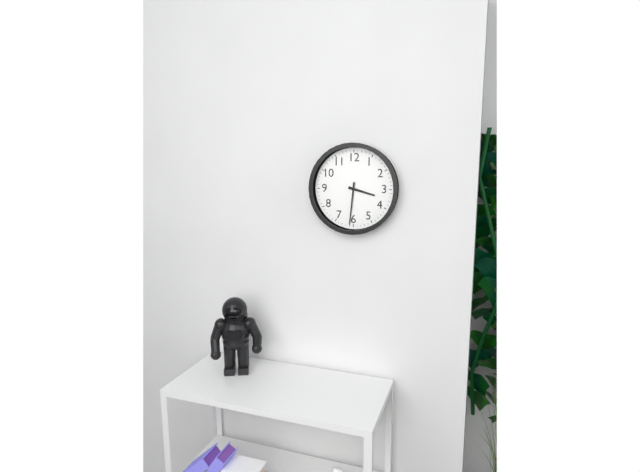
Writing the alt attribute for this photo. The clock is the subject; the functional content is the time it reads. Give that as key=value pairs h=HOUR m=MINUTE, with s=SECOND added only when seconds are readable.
h=3 m=31
